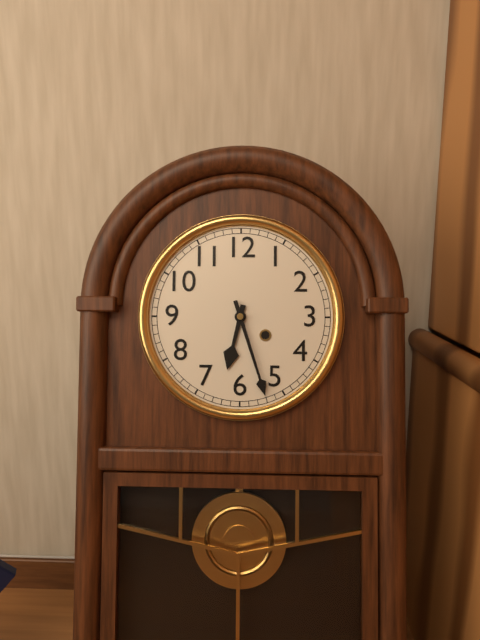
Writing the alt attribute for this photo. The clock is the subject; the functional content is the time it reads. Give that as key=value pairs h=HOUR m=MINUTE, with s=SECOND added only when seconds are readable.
h=6 m=27
